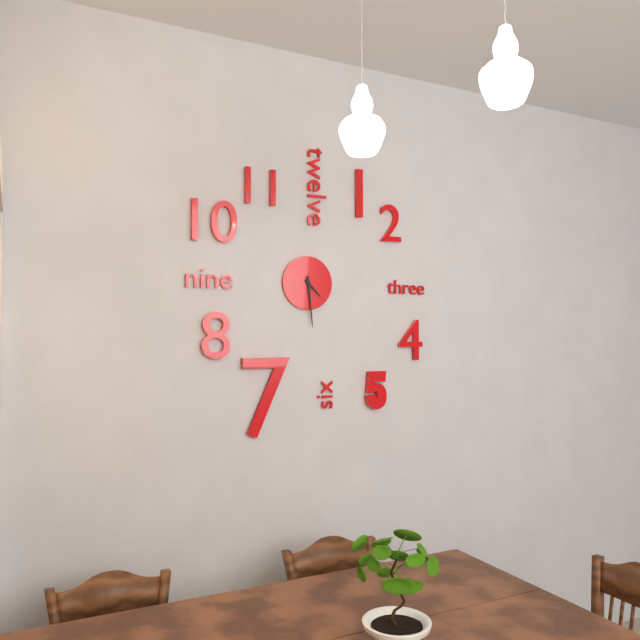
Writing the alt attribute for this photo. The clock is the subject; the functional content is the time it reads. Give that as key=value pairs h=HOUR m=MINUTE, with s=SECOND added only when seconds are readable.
h=4 m=29
